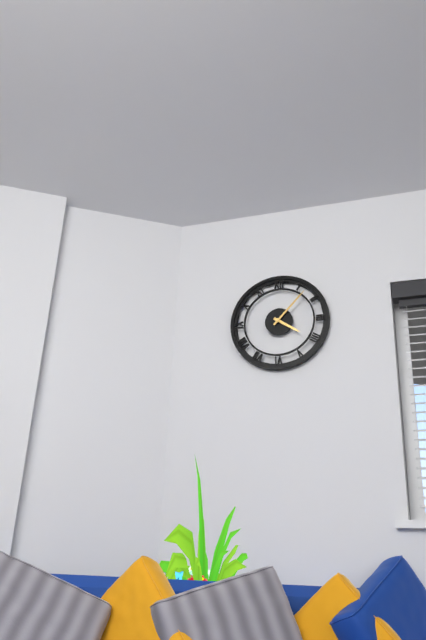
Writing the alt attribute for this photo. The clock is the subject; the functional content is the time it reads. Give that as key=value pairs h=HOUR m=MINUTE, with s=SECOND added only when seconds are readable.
h=4 m=7
